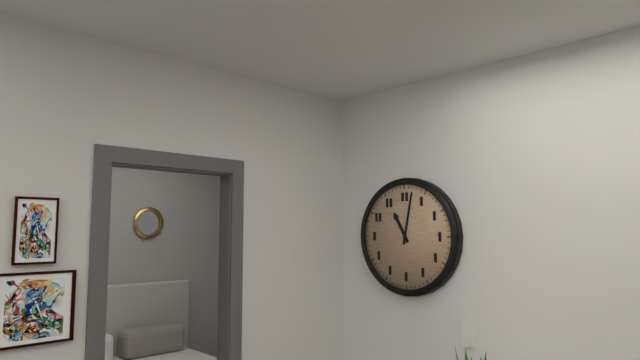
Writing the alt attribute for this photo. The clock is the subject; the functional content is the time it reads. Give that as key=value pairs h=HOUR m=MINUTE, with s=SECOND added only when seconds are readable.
h=11 m=2
